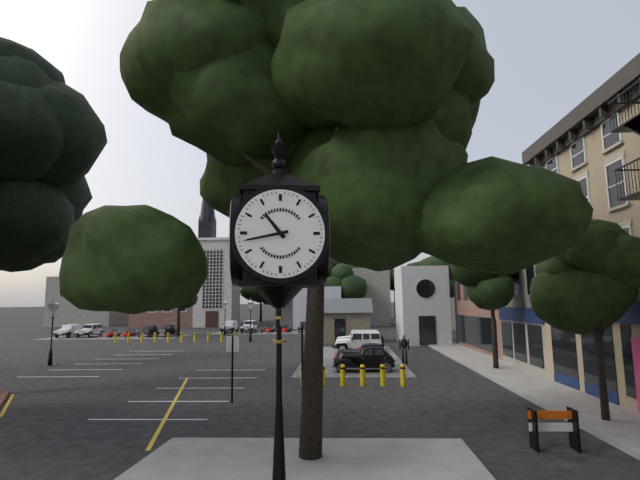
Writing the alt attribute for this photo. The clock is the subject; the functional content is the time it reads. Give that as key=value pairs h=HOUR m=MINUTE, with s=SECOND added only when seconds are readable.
h=10 m=43
